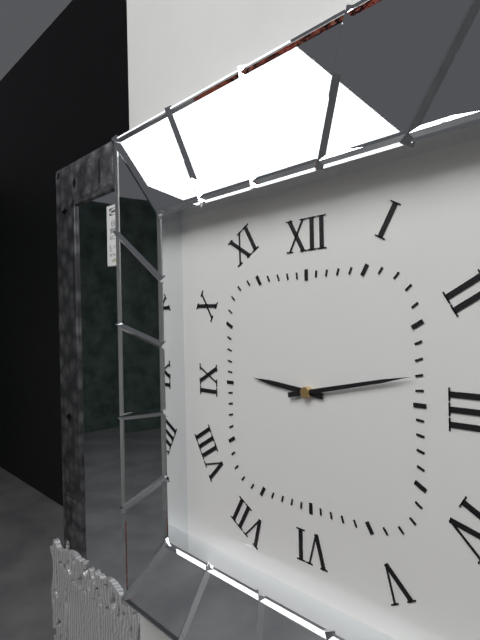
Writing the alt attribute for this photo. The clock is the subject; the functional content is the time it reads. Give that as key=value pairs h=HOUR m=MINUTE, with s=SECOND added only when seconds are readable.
h=9 m=13
